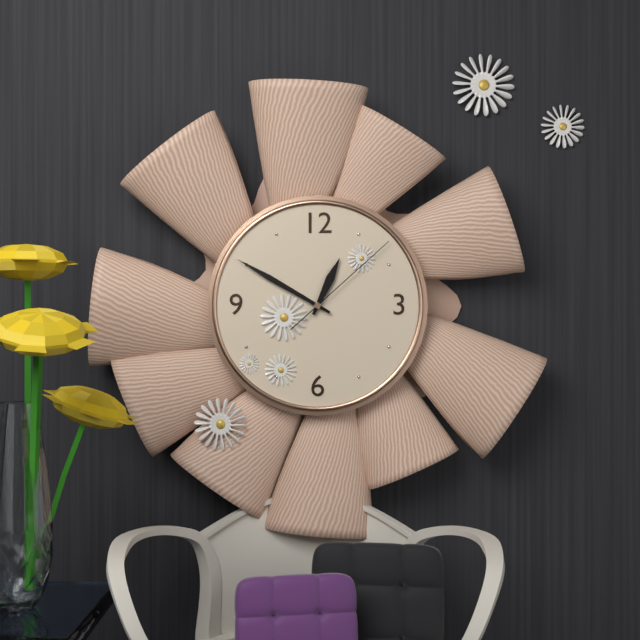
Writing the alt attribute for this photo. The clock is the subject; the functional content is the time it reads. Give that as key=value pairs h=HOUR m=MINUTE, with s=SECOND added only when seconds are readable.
h=12 m=50 s=8
